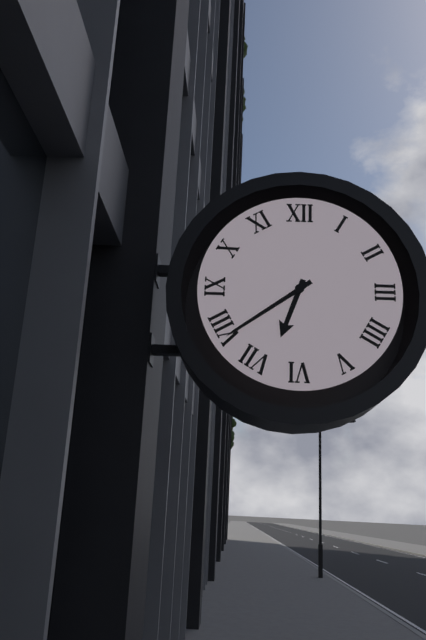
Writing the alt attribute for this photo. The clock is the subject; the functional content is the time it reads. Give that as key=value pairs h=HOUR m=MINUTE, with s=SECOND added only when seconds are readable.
h=6 m=39
